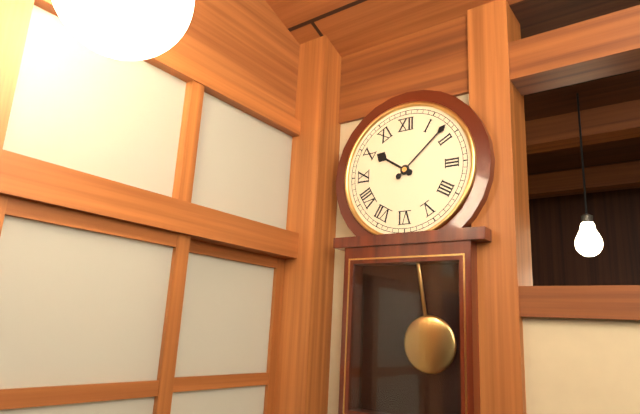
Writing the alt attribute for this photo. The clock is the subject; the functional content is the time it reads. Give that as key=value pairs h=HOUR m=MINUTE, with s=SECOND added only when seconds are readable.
h=10 m=8
